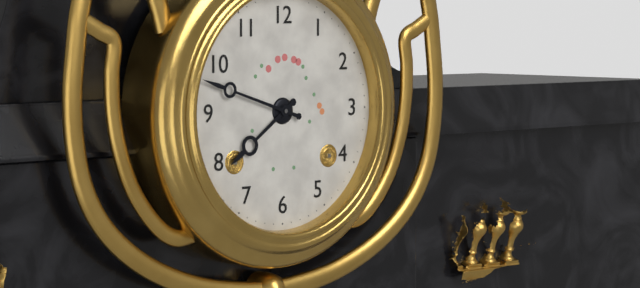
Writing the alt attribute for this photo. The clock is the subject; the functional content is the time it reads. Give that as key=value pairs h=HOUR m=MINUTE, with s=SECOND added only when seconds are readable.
h=7 m=48
